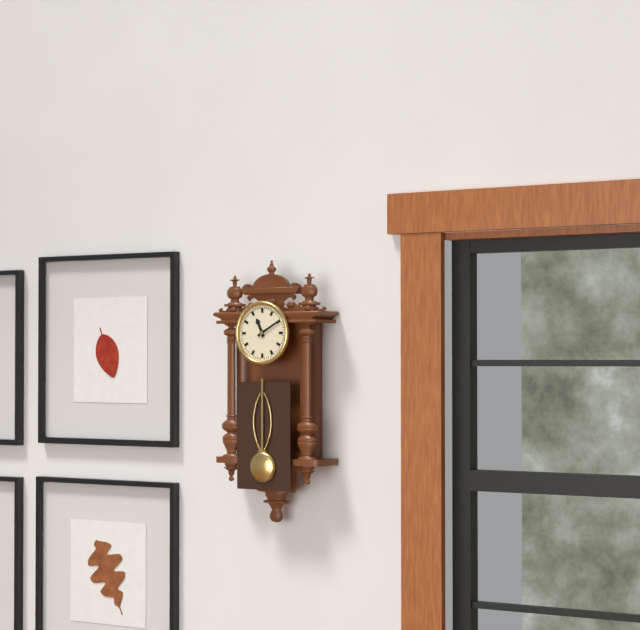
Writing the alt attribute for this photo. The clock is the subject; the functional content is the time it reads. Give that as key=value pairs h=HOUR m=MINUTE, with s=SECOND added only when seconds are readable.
h=11 m=10
